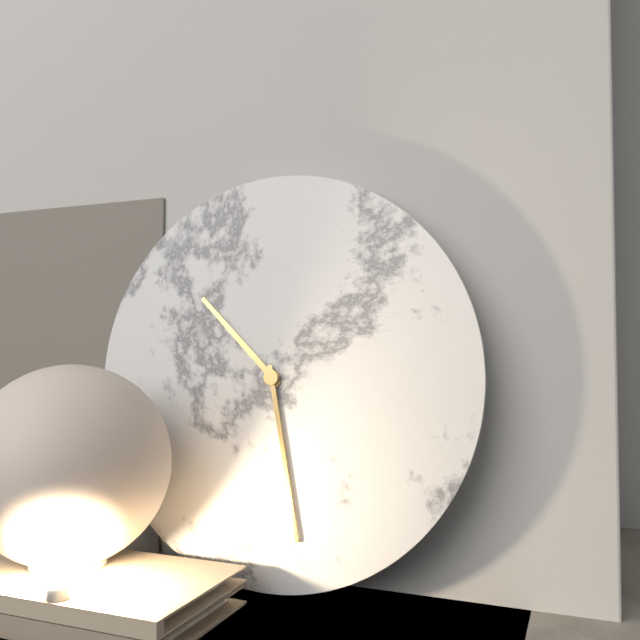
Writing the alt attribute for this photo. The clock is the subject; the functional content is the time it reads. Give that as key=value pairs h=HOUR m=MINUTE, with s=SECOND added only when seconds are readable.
h=10 m=28
